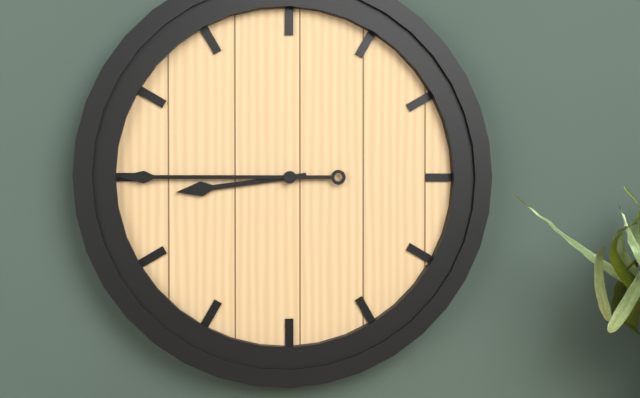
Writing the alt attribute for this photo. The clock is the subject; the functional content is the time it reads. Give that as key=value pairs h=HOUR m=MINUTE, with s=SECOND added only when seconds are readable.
h=8 m=45
